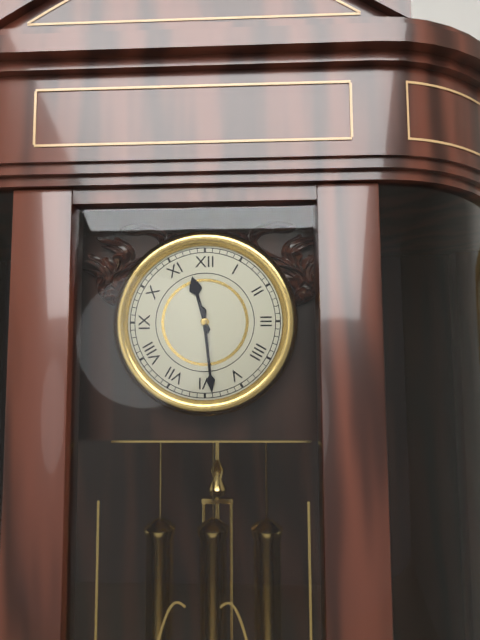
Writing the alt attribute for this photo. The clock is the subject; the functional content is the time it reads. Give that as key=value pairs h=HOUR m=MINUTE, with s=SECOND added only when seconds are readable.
h=11 m=29
